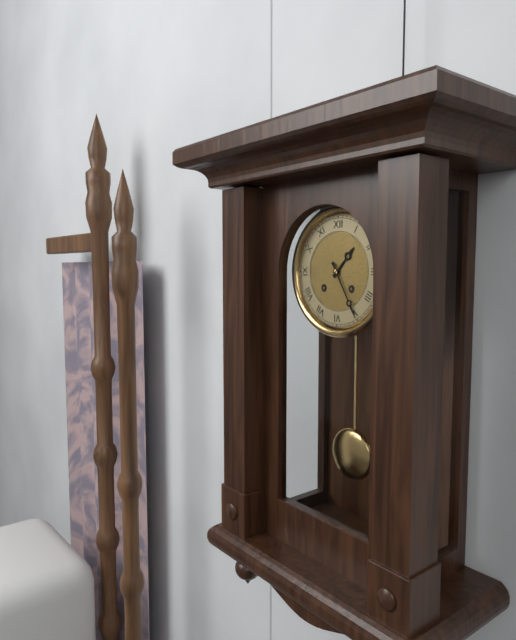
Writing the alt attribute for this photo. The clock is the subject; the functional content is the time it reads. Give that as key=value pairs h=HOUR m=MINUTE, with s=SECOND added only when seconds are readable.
h=1 m=25
